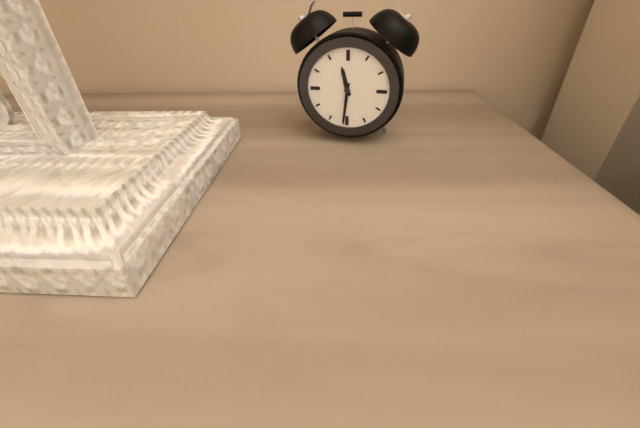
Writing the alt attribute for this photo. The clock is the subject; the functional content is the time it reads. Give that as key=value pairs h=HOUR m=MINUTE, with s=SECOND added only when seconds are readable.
h=11 m=31
